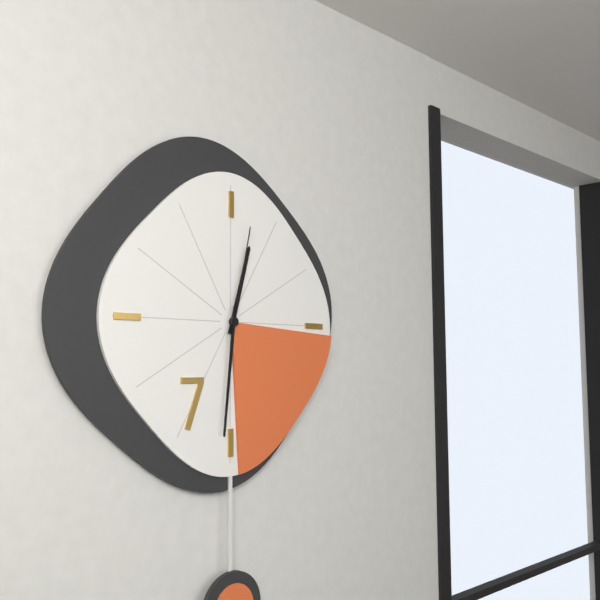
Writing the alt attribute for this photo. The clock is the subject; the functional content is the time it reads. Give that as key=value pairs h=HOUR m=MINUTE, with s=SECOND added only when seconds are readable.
h=12 m=31 s=2
